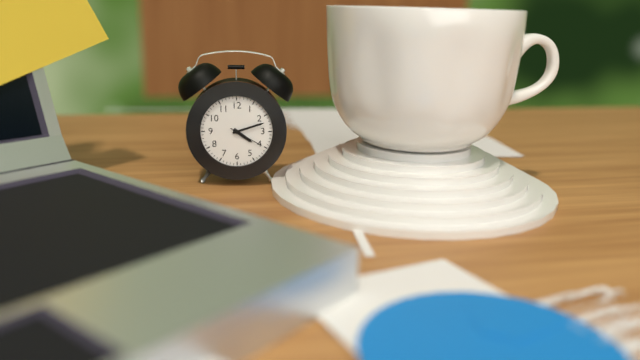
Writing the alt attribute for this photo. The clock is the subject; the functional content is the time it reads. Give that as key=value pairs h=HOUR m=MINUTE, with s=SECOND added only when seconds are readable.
h=4 m=12
